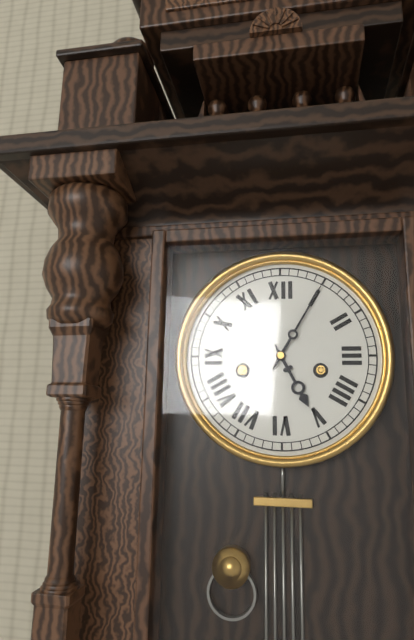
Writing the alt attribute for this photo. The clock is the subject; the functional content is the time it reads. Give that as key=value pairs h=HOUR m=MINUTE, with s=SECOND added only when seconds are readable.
h=5 m=5
